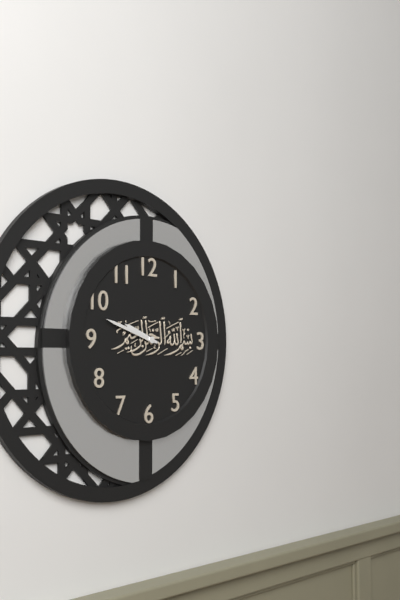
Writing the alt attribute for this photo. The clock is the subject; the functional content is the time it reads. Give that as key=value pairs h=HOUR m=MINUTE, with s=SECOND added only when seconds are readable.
h=9 m=48
